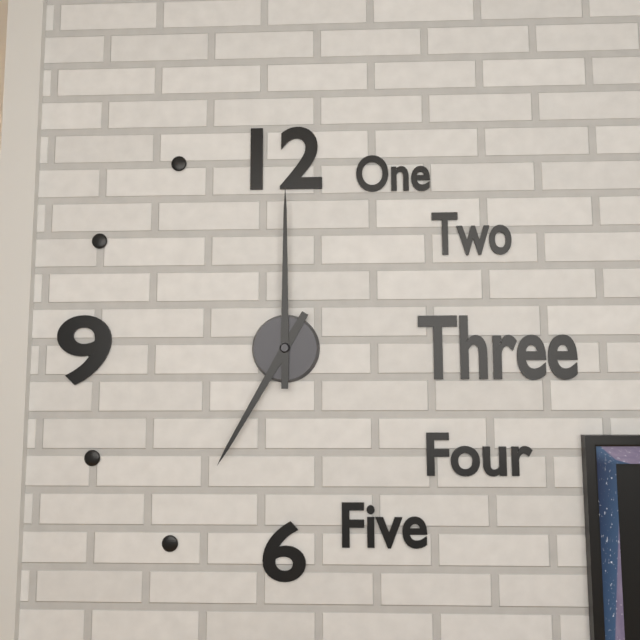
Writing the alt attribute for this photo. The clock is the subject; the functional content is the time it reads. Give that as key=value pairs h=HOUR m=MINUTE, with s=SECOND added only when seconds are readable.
h=7 m=0
